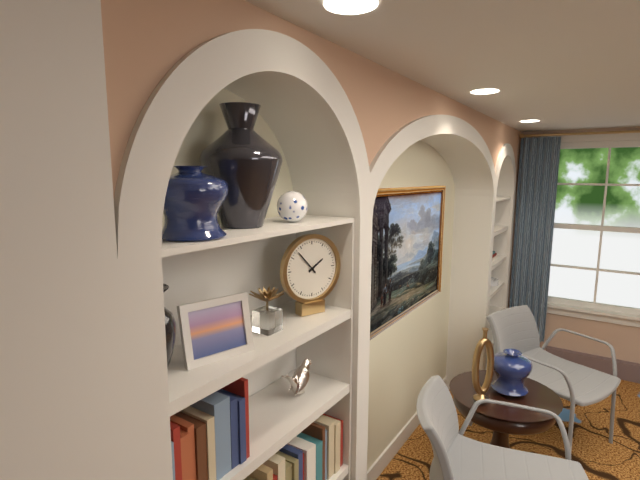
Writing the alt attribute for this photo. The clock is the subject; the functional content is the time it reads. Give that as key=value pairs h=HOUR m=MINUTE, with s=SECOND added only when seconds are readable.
h=1 m=53
